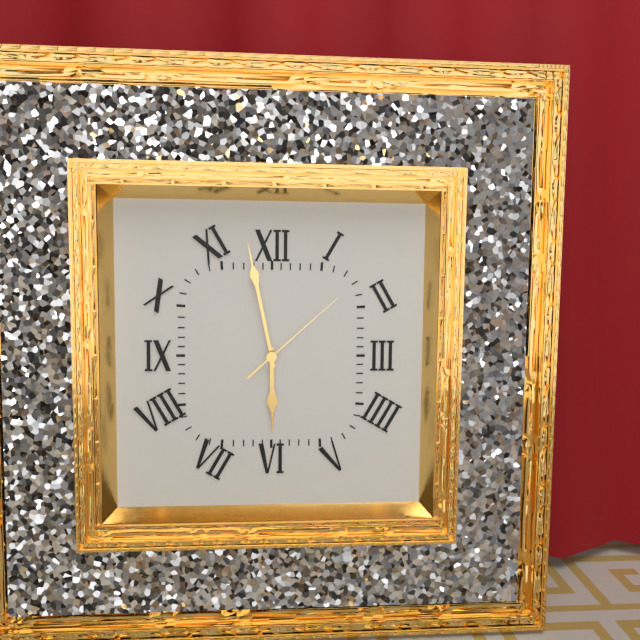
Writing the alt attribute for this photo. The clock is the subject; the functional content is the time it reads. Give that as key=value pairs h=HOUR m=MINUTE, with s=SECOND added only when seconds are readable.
h=5 m=58 s=8
